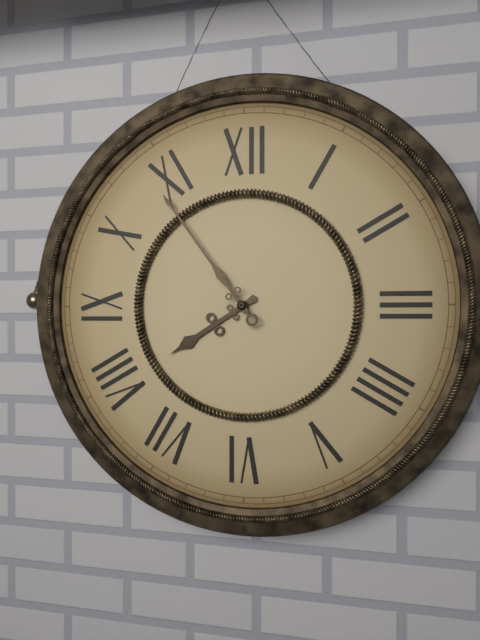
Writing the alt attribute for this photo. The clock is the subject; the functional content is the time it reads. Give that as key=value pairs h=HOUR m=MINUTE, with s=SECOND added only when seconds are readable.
h=7 m=54
